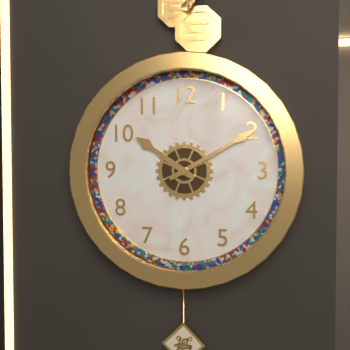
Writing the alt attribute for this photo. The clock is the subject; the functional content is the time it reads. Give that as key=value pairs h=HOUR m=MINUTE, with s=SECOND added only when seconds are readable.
h=10 m=10
